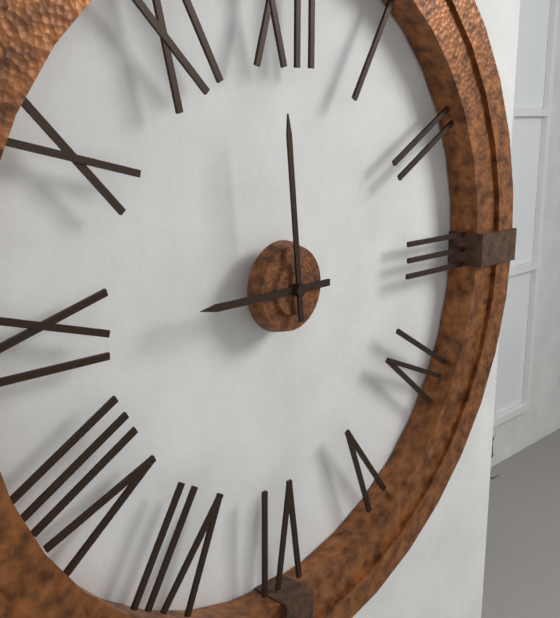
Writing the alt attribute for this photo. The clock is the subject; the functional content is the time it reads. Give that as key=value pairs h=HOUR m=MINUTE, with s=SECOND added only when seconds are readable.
h=8 m=59
